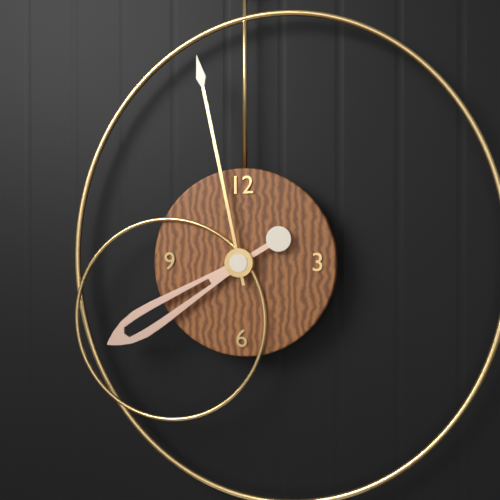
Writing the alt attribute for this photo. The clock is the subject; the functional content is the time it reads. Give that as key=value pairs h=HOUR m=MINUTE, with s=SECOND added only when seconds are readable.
h=7 m=58
